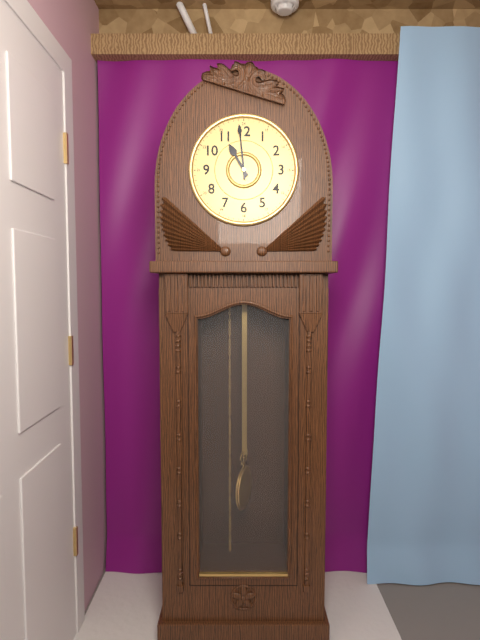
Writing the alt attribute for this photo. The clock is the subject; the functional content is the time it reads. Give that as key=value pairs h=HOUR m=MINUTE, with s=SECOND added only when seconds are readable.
h=10 m=59
